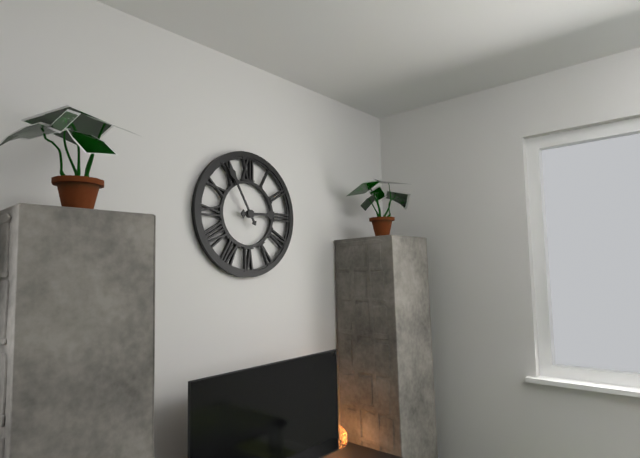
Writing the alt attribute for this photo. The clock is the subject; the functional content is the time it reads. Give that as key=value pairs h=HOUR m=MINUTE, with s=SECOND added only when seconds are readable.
h=2 m=55
